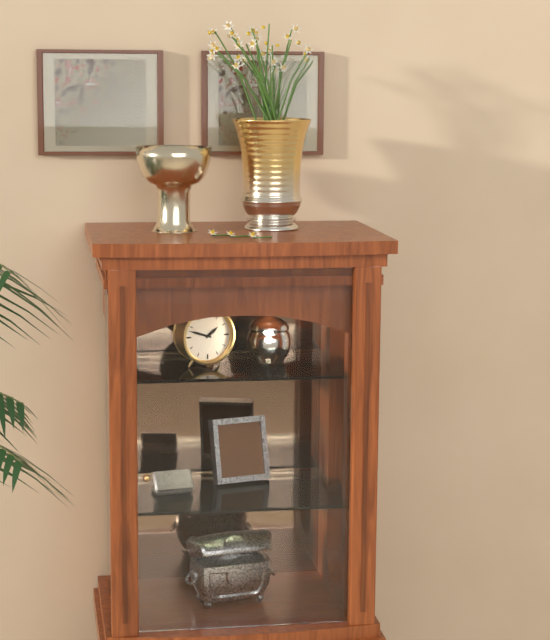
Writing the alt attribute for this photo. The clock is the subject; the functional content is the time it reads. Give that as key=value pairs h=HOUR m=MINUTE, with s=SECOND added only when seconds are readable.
h=1 m=48
